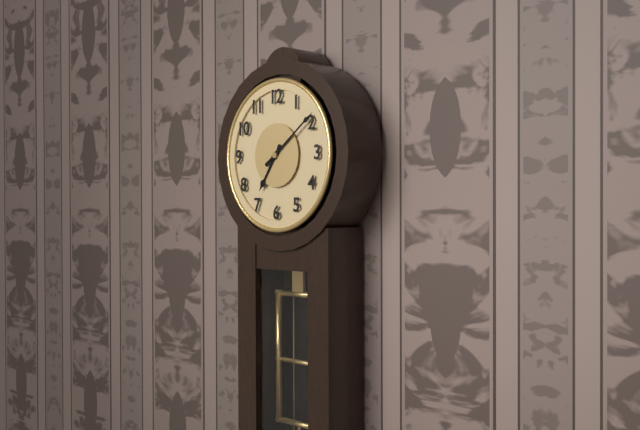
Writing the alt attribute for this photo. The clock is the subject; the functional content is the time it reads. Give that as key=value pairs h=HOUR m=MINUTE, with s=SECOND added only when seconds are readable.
h=7 m=9
